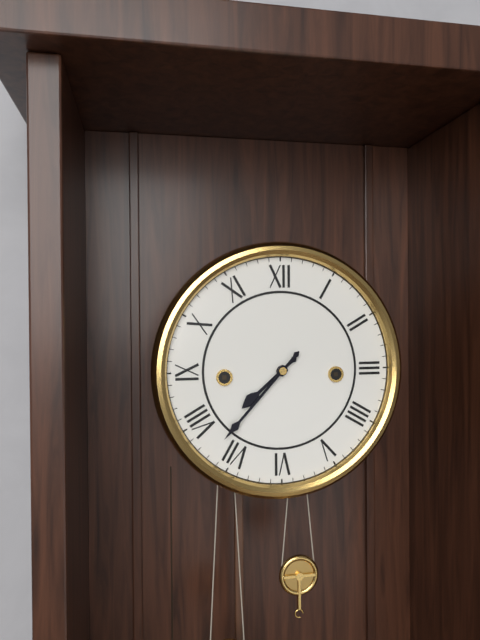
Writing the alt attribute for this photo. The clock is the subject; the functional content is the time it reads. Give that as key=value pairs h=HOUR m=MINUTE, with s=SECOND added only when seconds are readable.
h=7 m=37
